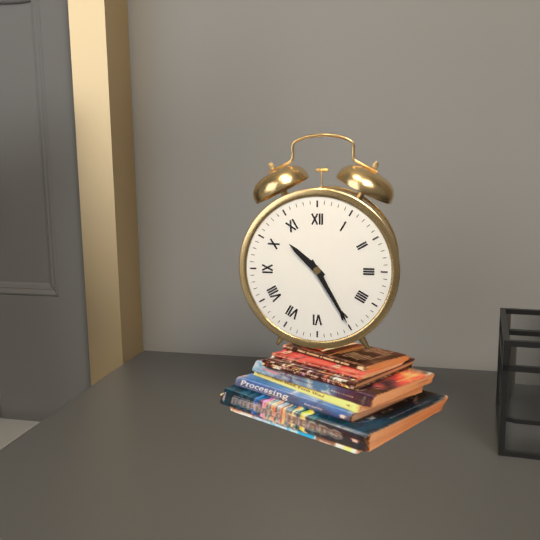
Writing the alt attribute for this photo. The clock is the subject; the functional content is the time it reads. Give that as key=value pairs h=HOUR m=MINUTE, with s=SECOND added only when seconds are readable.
h=10 m=25
